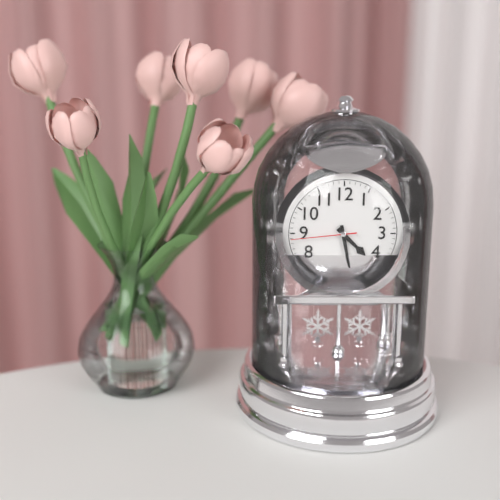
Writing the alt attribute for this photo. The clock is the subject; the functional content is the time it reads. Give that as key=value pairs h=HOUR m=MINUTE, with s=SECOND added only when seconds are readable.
h=4 m=28 s=44
